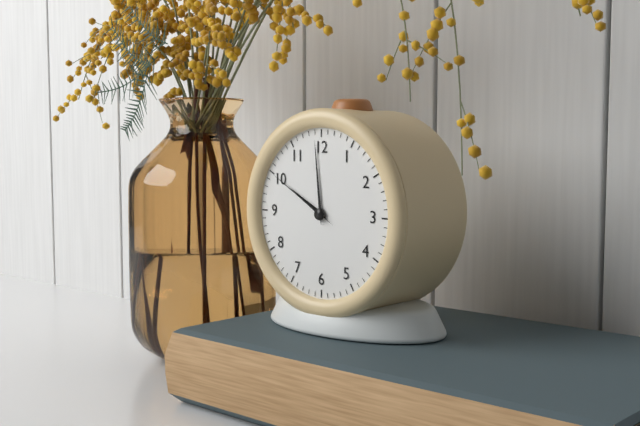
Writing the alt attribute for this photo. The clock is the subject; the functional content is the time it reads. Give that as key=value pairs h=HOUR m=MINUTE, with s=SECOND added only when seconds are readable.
h=9 m=59 s=50
